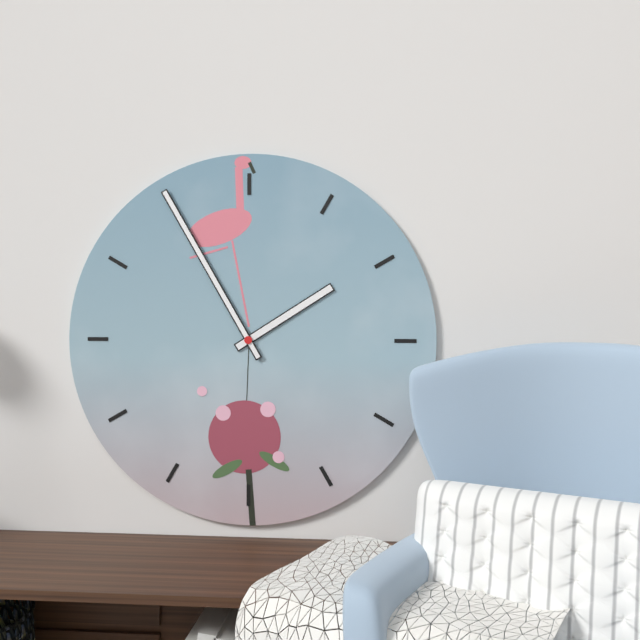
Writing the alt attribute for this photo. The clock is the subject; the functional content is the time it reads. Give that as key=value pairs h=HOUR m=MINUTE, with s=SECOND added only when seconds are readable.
h=1 m=55
